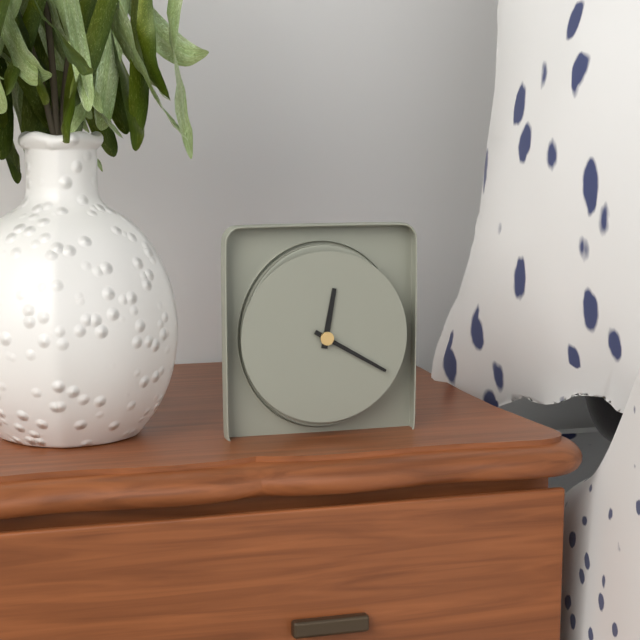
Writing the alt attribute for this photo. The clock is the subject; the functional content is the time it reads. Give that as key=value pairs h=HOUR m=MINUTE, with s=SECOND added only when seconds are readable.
h=12 m=20
